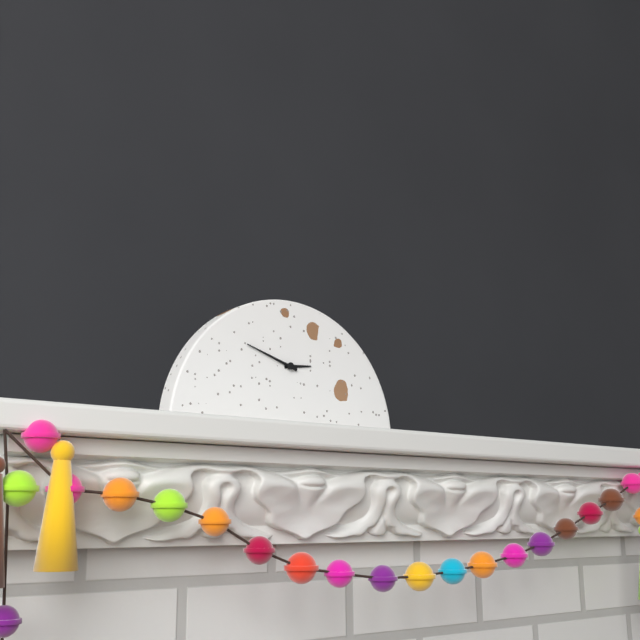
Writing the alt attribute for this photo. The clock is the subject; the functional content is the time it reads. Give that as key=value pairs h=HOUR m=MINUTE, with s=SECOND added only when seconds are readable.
h=2 m=48
